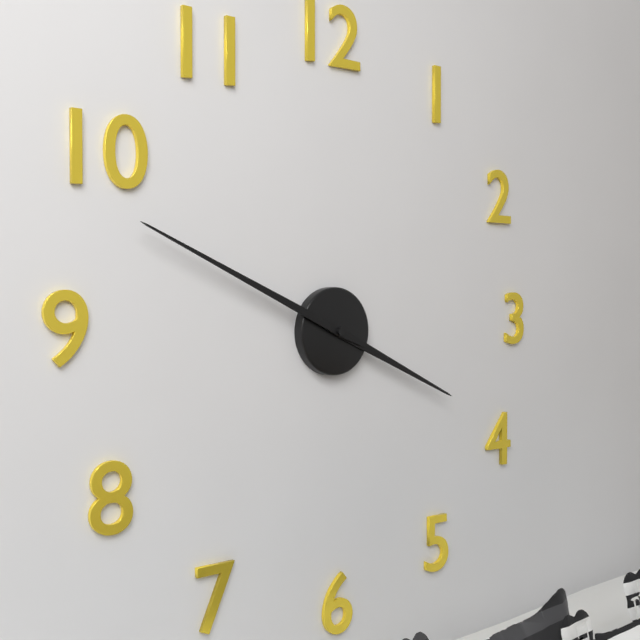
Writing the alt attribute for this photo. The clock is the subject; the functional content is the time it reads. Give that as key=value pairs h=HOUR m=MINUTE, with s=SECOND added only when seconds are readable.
h=3 m=49
